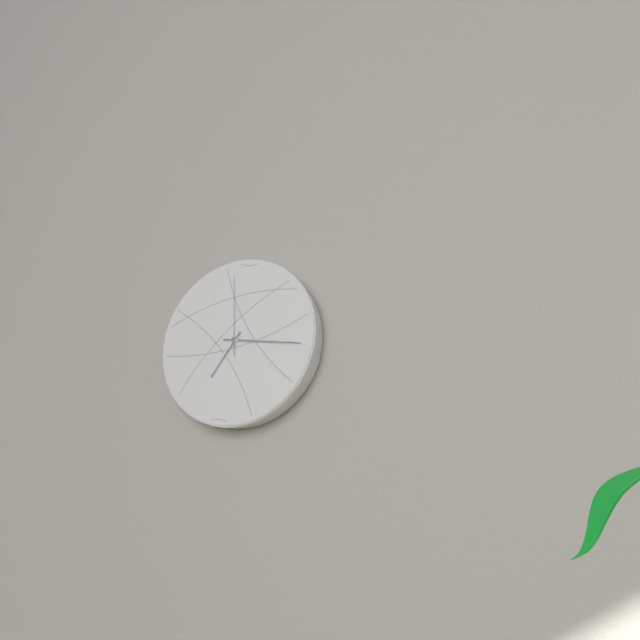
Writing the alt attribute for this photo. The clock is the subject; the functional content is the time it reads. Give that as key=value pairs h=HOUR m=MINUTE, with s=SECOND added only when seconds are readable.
h=7 m=17 s=0
